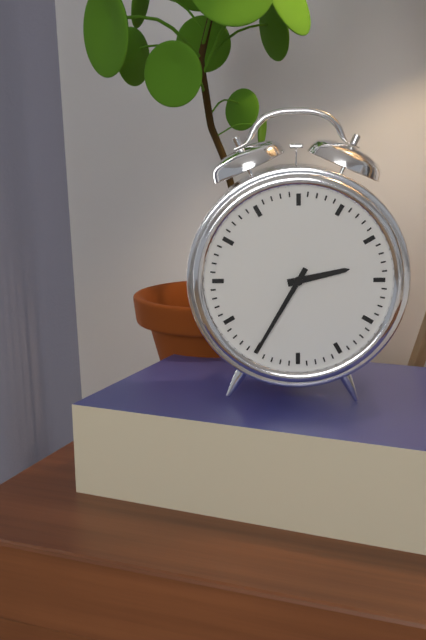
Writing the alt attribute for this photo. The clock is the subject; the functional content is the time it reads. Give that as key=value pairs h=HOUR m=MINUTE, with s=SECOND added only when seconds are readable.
h=2 m=35
